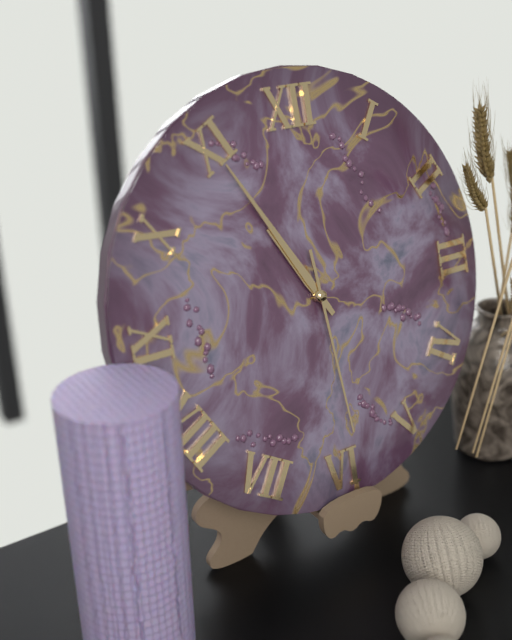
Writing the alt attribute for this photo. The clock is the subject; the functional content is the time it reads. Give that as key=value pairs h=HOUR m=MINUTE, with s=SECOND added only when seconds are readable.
h=10 m=55 s=29
